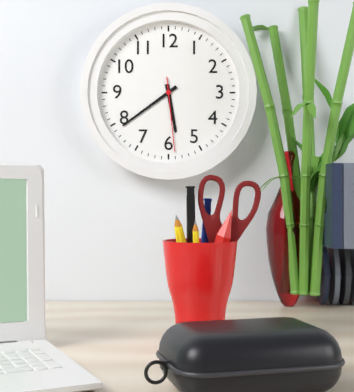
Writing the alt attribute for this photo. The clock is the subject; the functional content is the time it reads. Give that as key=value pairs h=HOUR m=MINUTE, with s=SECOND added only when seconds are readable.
h=5 m=39 s=29
